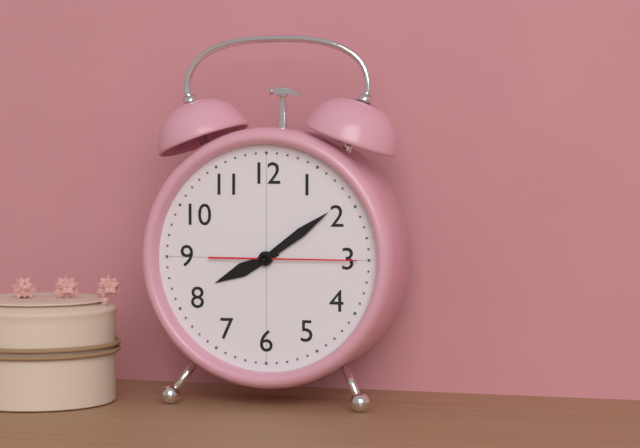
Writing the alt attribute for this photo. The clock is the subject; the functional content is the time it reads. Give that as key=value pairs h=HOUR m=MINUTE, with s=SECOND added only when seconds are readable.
h=8 m=9 s=15
